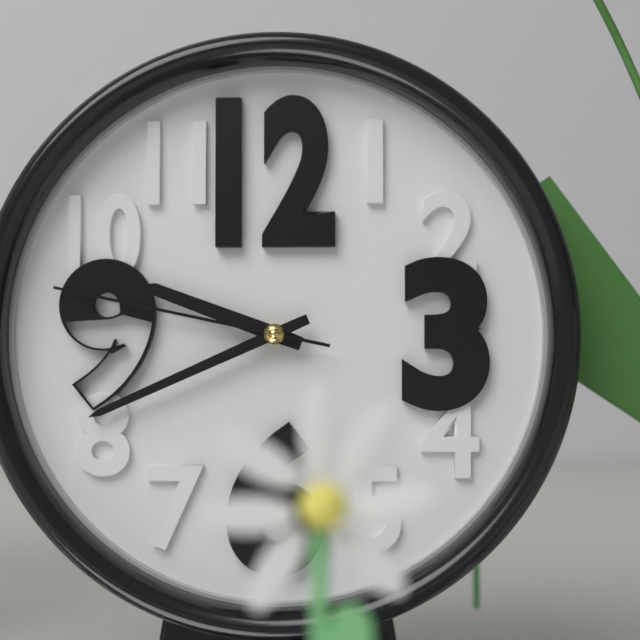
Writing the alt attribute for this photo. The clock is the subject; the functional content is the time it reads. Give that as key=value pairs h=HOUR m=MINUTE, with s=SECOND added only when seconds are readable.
h=9 m=41 s=47
